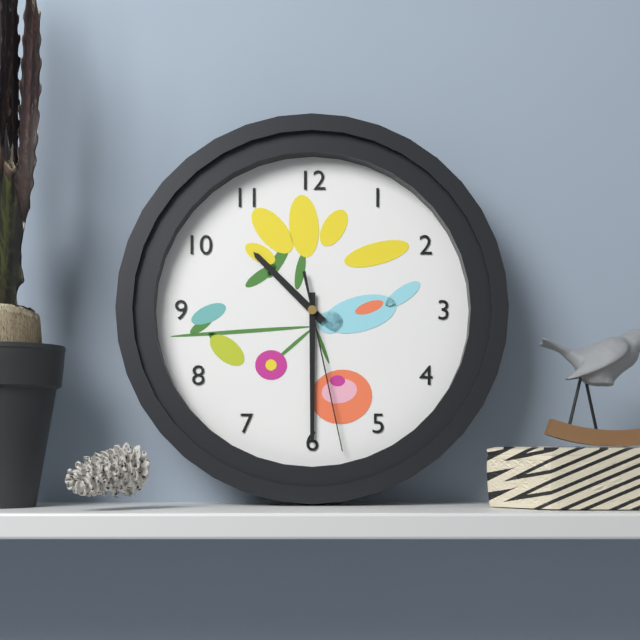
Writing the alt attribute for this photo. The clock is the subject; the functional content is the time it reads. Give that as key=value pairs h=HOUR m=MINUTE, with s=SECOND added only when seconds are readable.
h=10 m=30 s=28
